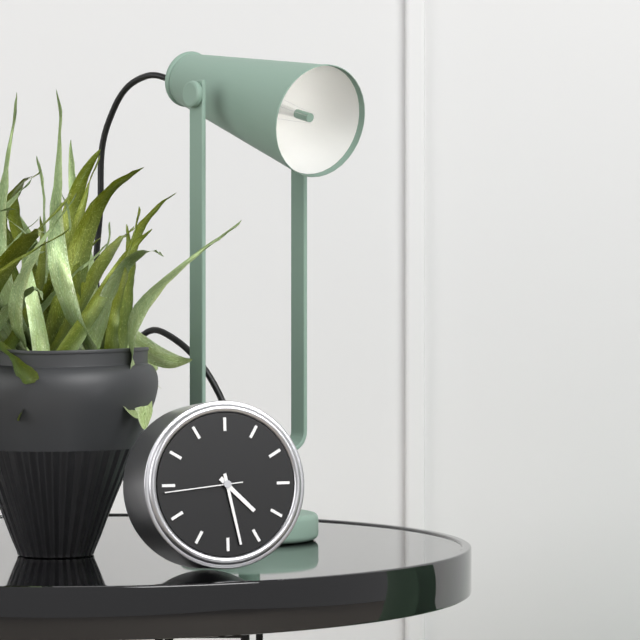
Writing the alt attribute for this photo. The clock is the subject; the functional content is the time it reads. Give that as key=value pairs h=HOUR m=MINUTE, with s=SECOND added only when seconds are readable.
h=4 m=28 s=44
